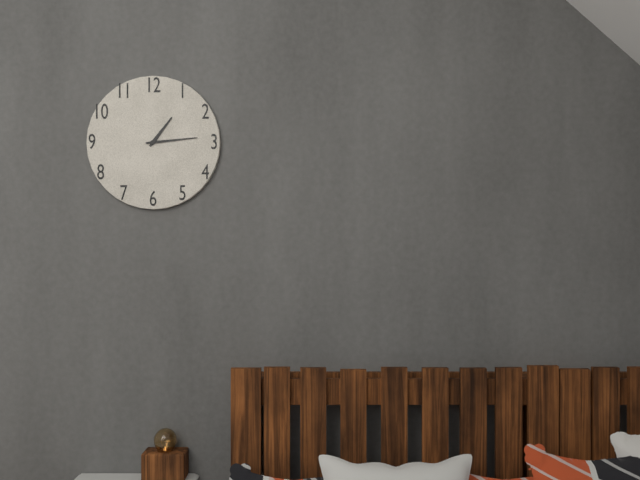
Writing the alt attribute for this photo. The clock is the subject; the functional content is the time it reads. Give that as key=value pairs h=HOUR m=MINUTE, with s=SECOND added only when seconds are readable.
h=1 m=14
